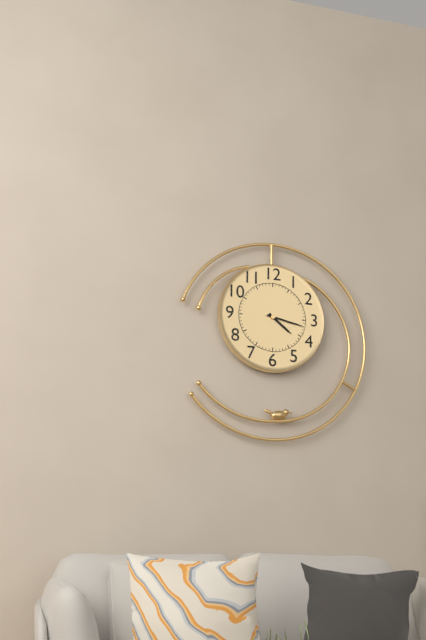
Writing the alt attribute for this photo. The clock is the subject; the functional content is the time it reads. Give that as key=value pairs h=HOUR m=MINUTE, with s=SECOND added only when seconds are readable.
h=4 m=17
